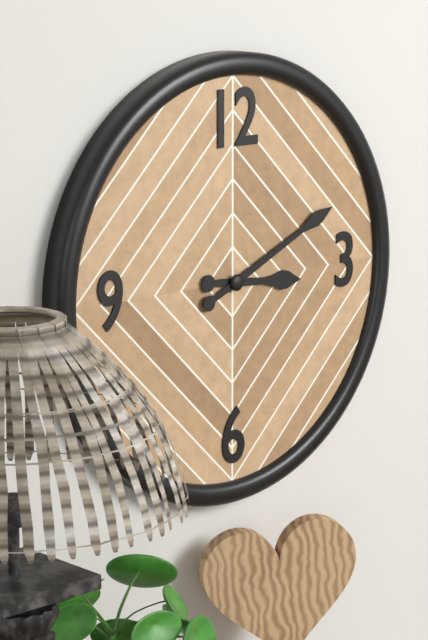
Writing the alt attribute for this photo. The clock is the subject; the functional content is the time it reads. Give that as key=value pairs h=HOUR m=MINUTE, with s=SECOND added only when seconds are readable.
h=3 m=11
